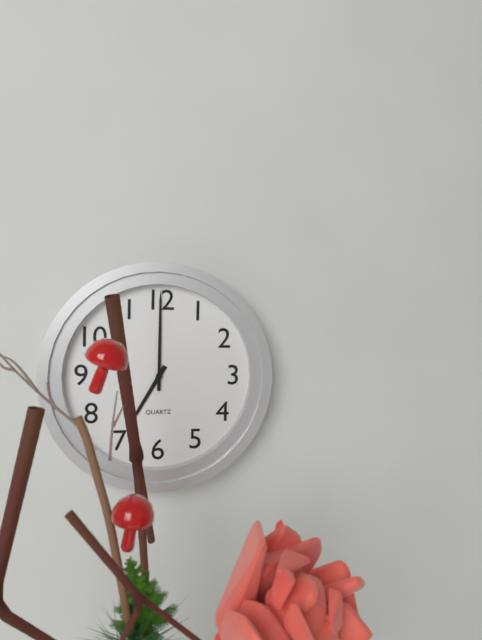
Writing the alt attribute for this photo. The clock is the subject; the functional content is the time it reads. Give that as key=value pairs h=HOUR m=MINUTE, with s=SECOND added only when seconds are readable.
h=7 m=0
